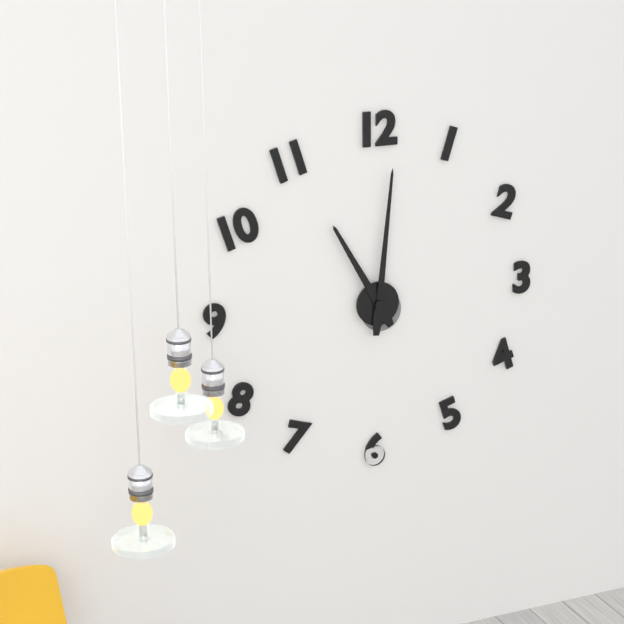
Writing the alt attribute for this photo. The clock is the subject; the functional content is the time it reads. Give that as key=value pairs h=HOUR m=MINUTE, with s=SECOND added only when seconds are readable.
h=11 m=1
